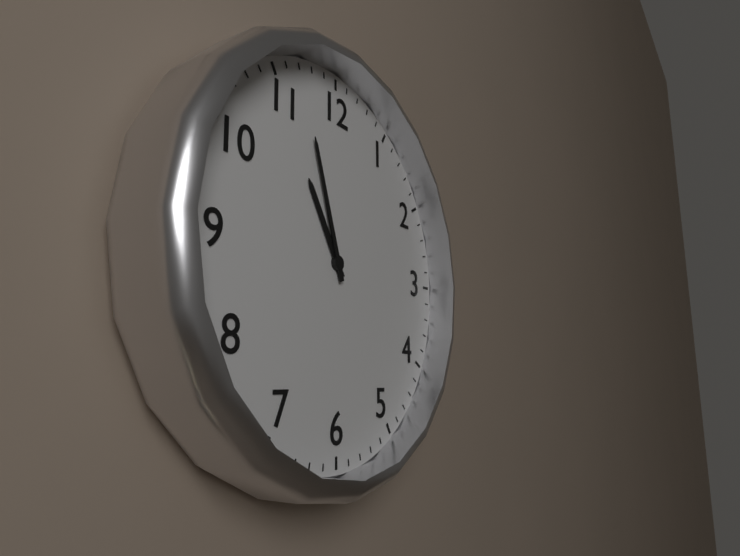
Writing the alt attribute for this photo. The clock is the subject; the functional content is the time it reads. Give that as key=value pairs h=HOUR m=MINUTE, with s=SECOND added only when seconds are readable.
h=10 m=57
